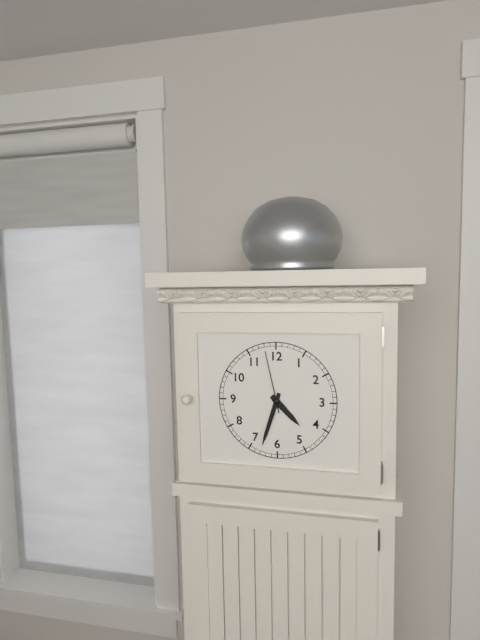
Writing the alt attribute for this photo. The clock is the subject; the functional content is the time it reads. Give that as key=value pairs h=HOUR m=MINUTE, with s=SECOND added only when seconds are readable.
h=4 m=33 s=58
